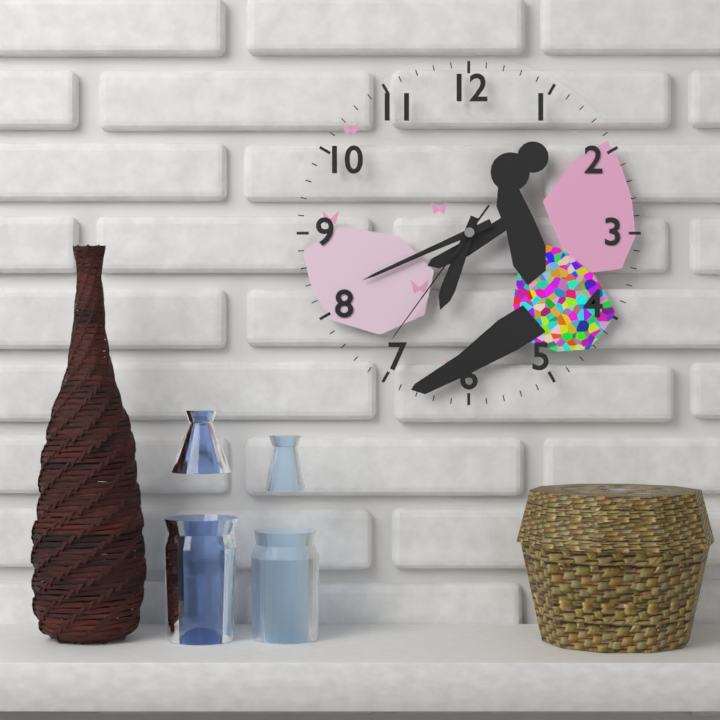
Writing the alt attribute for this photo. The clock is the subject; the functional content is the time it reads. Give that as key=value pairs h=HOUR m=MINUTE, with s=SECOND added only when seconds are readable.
h=6 m=41 s=36
